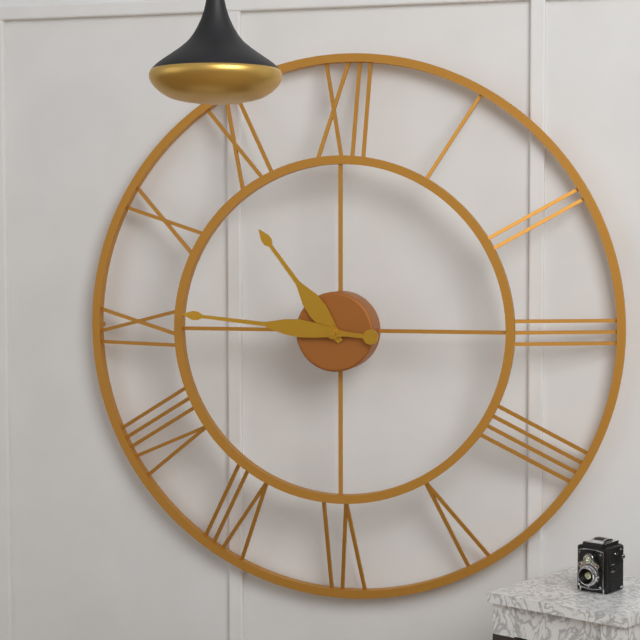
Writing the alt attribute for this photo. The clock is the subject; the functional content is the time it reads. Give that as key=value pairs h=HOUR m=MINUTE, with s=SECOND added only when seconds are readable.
h=10 m=46
